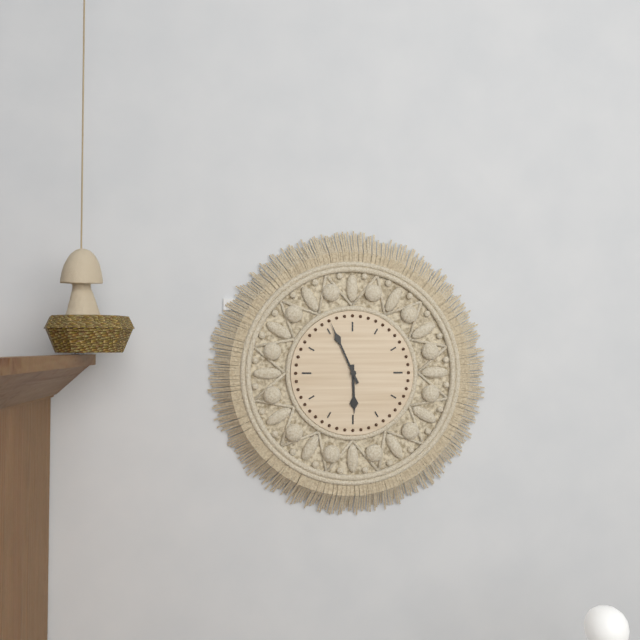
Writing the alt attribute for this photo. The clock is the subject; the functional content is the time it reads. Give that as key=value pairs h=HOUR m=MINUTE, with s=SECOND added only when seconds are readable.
h=5 m=56
